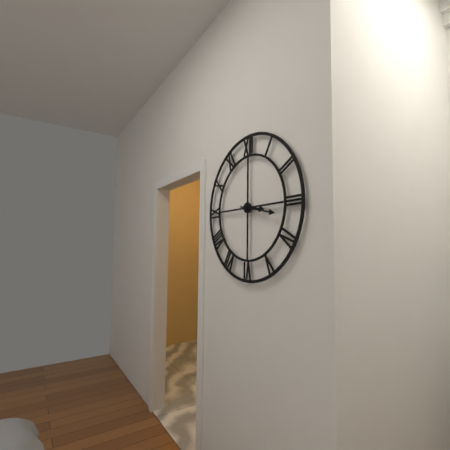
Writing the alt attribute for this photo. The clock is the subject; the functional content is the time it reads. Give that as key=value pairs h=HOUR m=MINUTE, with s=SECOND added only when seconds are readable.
h=3 m=17
